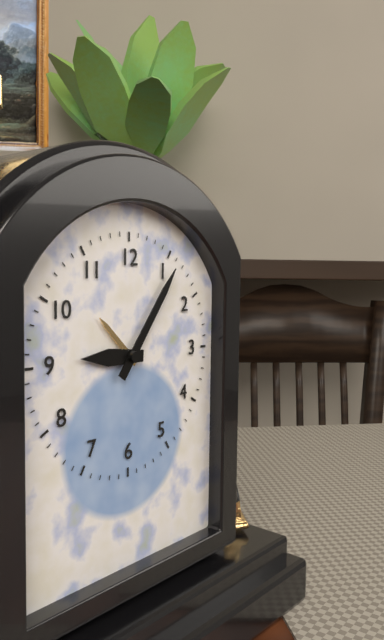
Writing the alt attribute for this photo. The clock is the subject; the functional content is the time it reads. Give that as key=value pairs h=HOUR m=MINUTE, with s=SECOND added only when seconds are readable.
h=9 m=6
